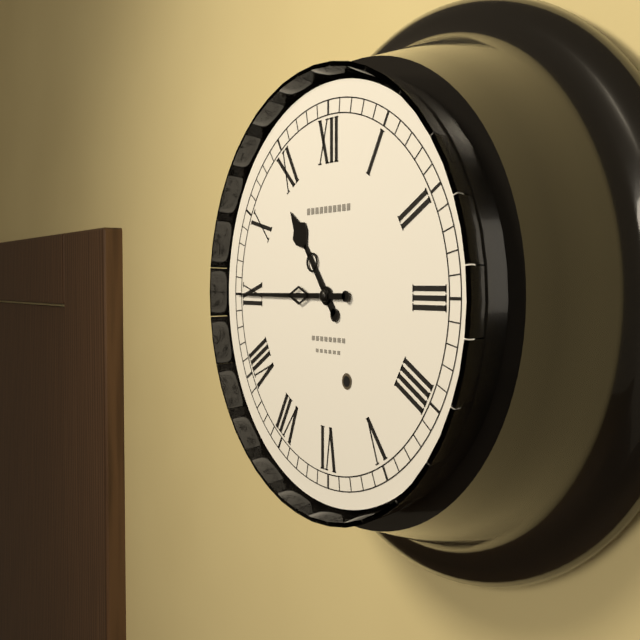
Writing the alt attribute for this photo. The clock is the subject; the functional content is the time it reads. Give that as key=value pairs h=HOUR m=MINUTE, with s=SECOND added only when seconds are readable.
h=10 m=45
